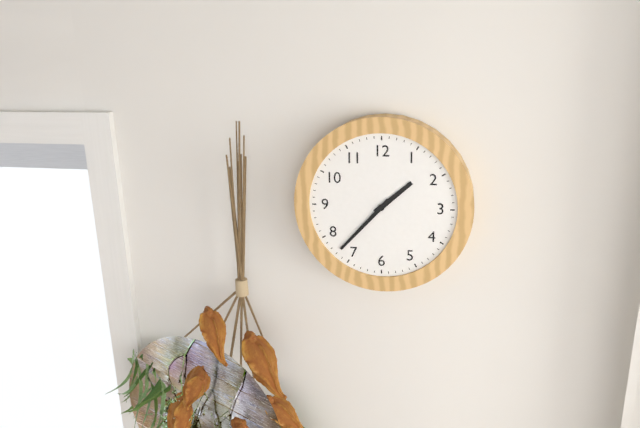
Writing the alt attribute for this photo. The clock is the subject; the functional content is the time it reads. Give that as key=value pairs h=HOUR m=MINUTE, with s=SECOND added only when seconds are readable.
h=1 m=37
